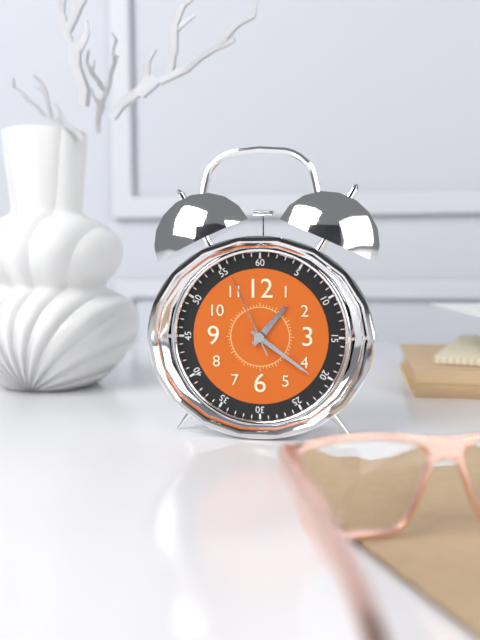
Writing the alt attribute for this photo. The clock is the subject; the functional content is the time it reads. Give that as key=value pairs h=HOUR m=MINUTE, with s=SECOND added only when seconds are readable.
h=1 m=21 s=56
